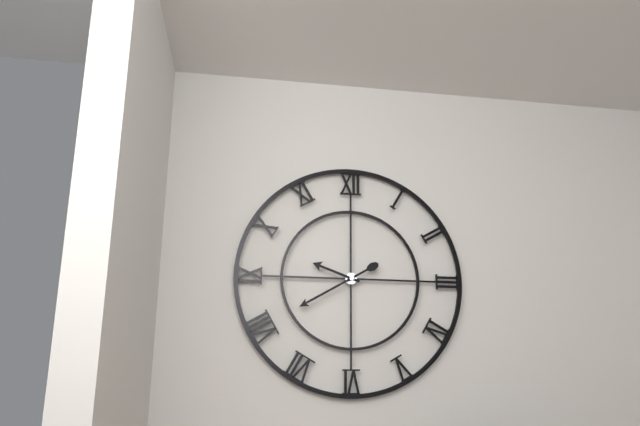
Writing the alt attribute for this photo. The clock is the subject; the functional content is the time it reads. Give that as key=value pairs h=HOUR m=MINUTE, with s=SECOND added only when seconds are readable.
h=9 m=40
